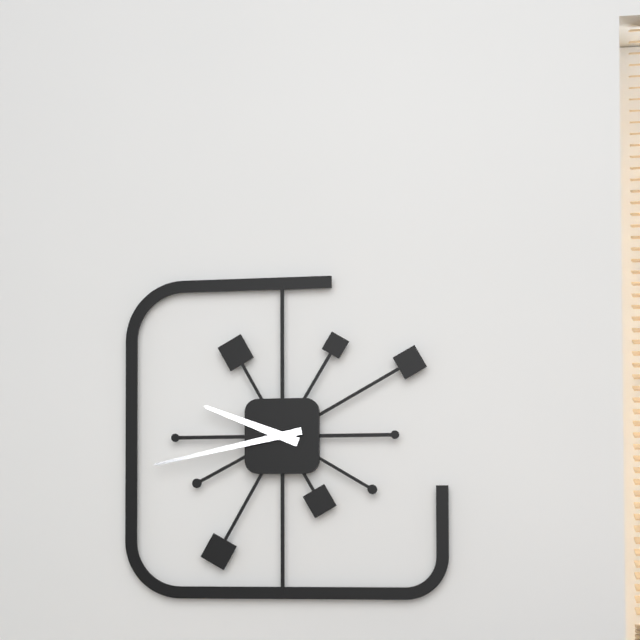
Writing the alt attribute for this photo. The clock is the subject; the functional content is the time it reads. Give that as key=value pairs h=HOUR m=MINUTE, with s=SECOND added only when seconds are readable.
h=9 m=43
